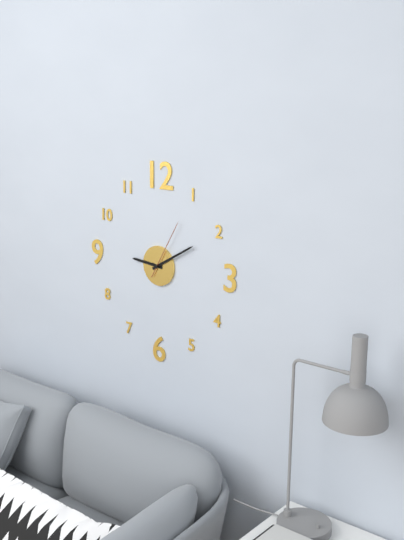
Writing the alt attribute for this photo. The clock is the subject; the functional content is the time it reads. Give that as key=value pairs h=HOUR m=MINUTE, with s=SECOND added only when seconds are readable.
h=9 m=10 s=5
